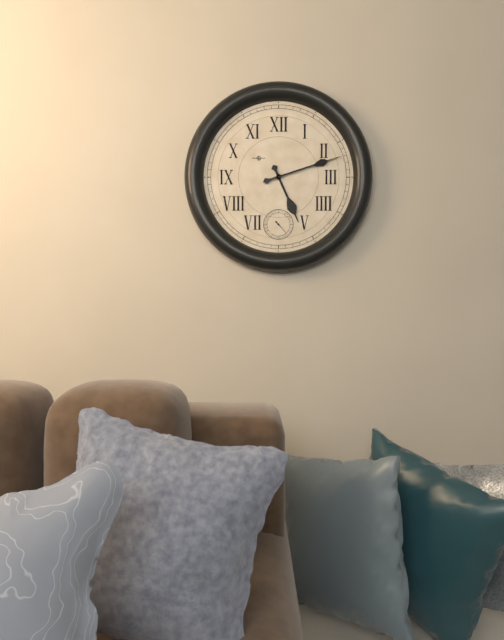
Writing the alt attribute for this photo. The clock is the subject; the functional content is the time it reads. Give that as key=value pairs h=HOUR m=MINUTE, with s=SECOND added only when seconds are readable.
h=5 m=12
